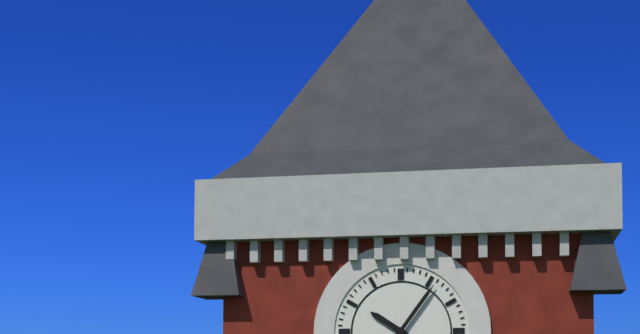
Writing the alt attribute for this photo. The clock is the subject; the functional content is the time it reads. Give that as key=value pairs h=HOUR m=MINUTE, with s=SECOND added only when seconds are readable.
h=10 m=6
